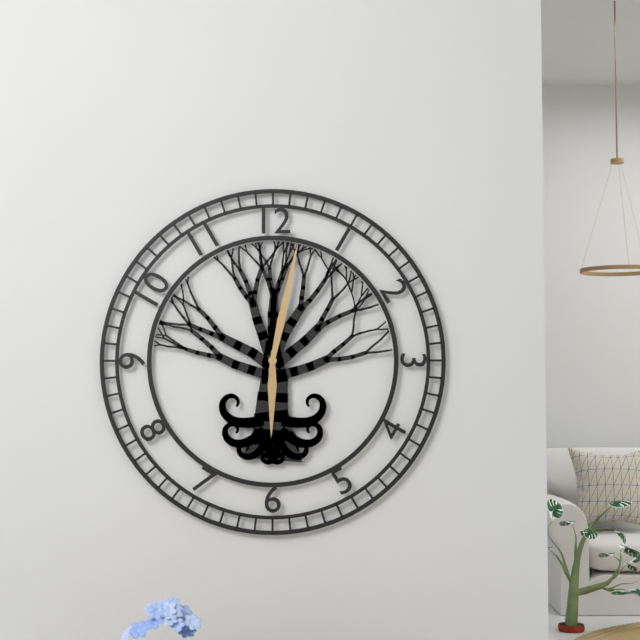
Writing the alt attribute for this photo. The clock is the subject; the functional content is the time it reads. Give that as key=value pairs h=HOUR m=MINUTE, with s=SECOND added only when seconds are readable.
h=6 m=2
